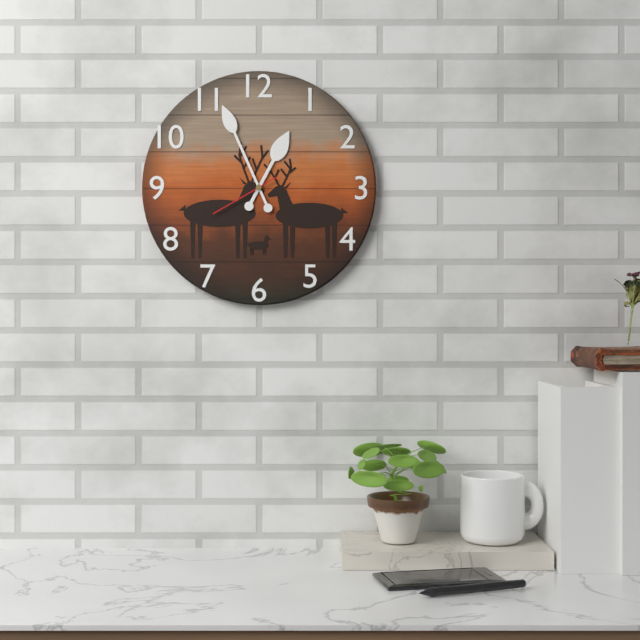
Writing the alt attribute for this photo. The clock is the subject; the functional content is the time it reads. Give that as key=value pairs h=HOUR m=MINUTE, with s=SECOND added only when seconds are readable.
h=12 m=56 s=40
